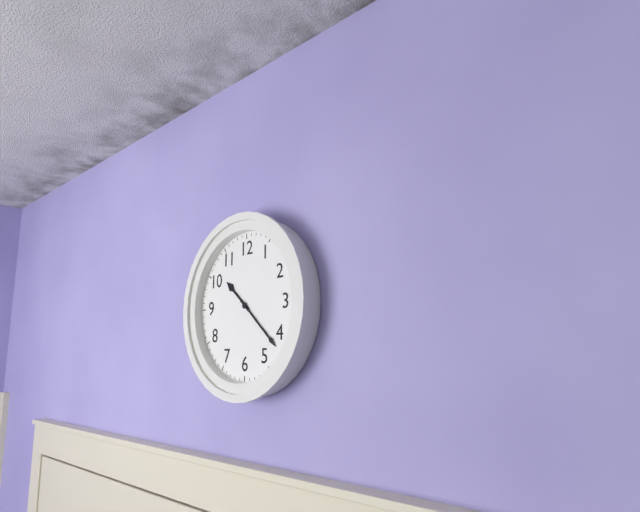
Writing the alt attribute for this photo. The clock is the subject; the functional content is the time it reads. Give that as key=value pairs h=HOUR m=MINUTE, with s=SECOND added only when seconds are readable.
h=10 m=22
